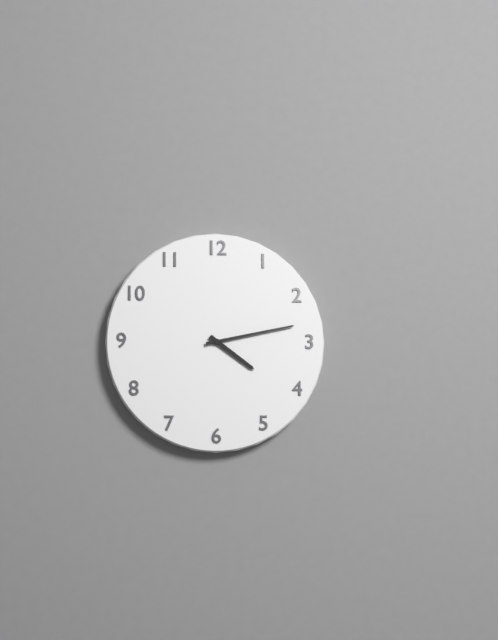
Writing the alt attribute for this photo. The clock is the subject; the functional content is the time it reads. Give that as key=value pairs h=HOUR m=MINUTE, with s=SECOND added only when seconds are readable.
h=4 m=13
